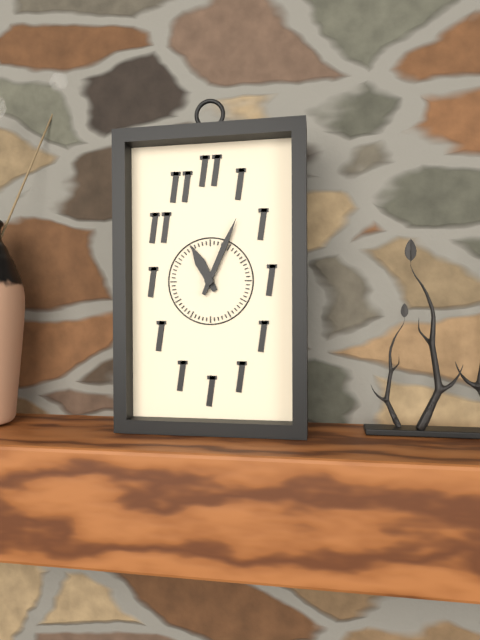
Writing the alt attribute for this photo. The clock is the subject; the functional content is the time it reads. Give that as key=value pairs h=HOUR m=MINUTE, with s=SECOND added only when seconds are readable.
h=11 m=4
